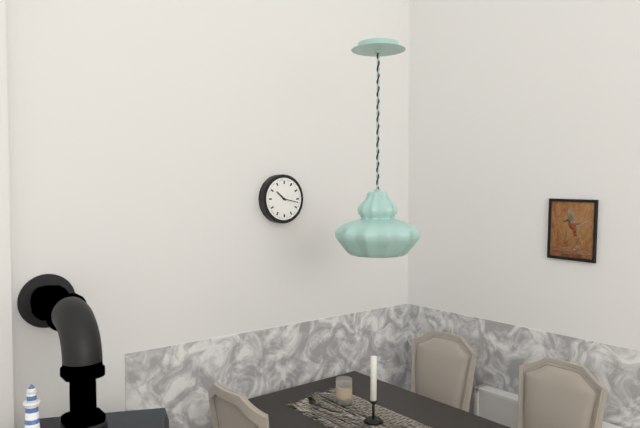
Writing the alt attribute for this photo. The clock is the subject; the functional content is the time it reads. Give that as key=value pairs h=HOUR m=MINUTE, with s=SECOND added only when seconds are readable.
h=10 m=17
